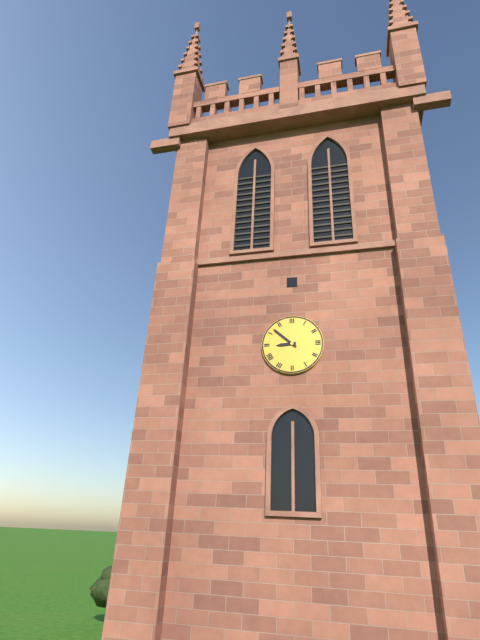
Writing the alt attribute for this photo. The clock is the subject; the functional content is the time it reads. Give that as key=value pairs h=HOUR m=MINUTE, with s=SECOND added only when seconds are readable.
h=8 m=52
